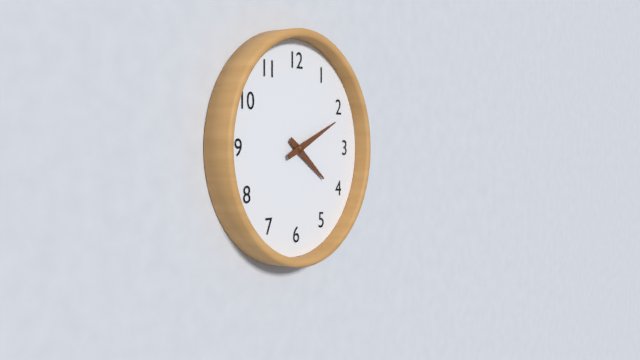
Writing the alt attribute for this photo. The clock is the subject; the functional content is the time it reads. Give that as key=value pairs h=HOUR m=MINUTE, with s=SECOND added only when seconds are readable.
h=4 m=11
